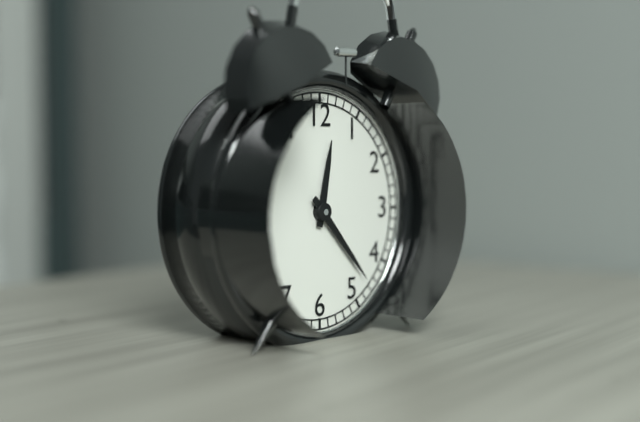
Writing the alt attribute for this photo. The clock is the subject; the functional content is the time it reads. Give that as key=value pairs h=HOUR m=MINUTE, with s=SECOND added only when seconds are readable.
h=12 m=23
